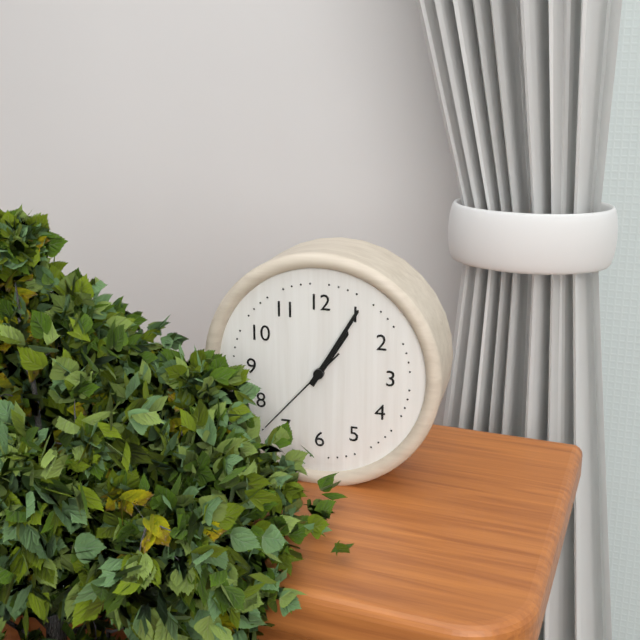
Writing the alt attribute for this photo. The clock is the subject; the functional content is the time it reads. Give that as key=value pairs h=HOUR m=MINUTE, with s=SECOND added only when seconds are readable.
h=1 m=5 s=37
